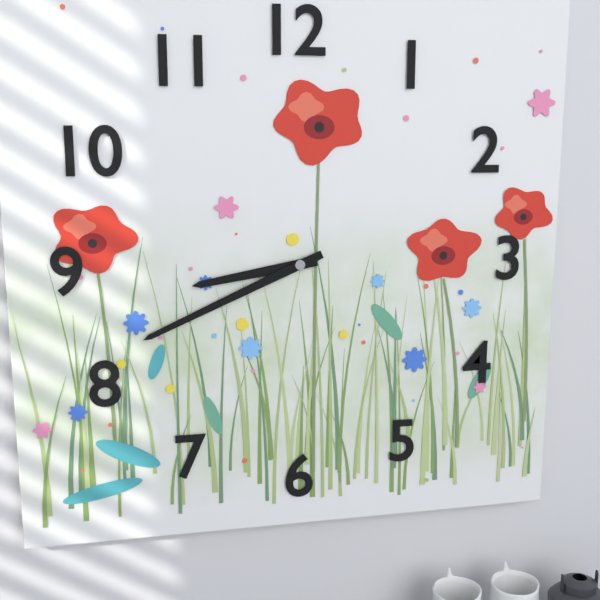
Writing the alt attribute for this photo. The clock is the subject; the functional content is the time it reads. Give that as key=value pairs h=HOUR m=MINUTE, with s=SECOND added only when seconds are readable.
h=8 m=41
